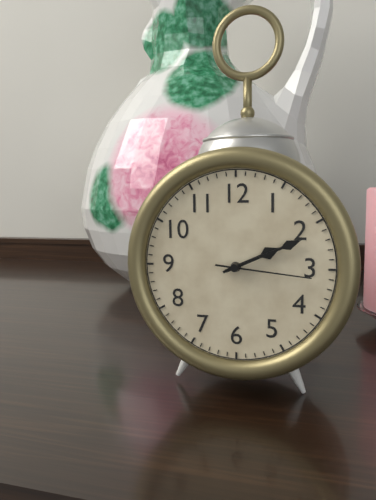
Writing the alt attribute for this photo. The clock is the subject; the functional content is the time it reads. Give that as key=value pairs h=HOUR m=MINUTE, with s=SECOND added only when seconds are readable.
h=2 m=11 s=16
